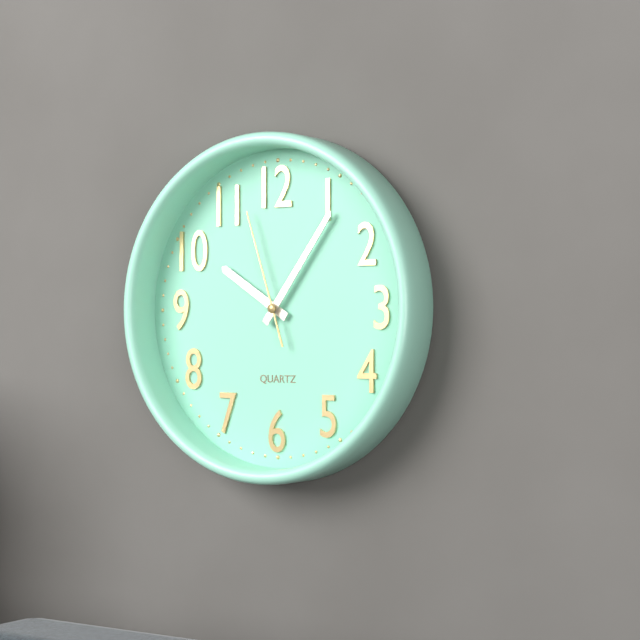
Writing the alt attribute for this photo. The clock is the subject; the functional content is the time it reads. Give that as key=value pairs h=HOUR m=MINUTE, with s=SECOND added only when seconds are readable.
h=10 m=6 s=57
